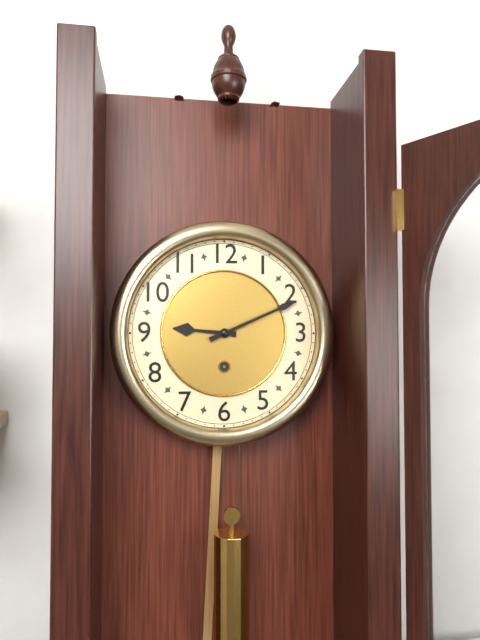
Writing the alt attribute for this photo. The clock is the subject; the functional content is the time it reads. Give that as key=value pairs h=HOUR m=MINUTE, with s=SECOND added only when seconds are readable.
h=9 m=11
